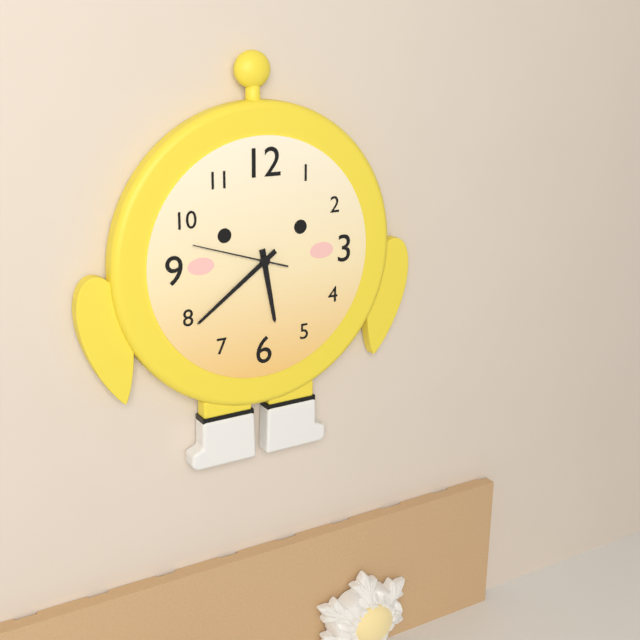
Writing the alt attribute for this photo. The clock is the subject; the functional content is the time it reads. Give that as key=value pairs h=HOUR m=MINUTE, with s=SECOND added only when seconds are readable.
h=5 m=39 s=48
